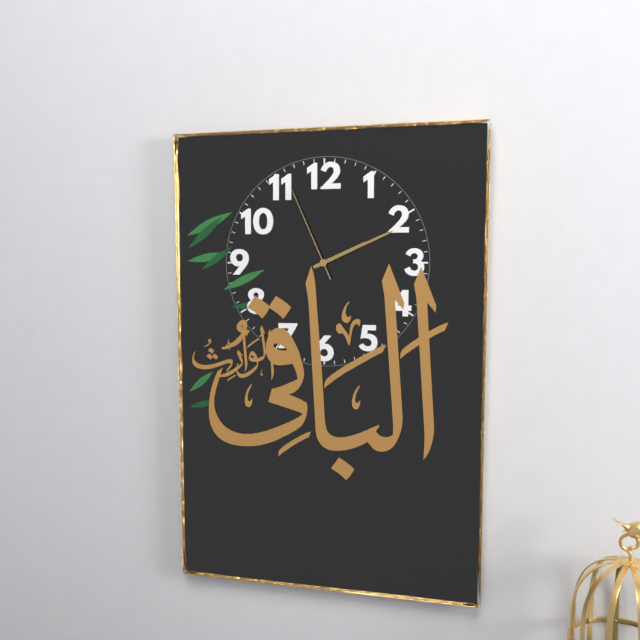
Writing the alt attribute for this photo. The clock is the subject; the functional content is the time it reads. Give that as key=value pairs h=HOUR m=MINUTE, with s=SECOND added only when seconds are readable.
h=2 m=11 s=56
